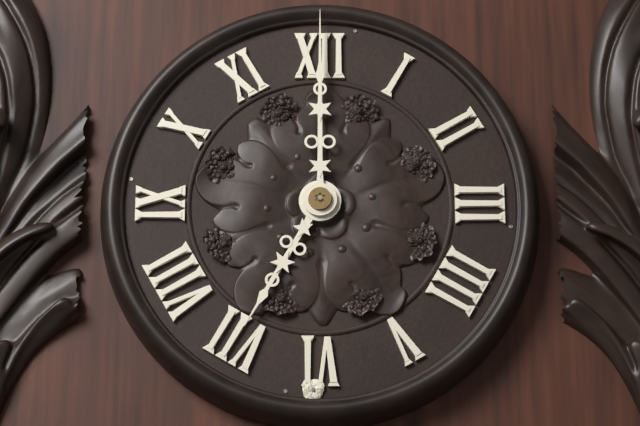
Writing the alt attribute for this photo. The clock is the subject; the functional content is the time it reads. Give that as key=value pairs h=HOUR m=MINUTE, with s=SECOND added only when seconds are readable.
h=7 m=0
